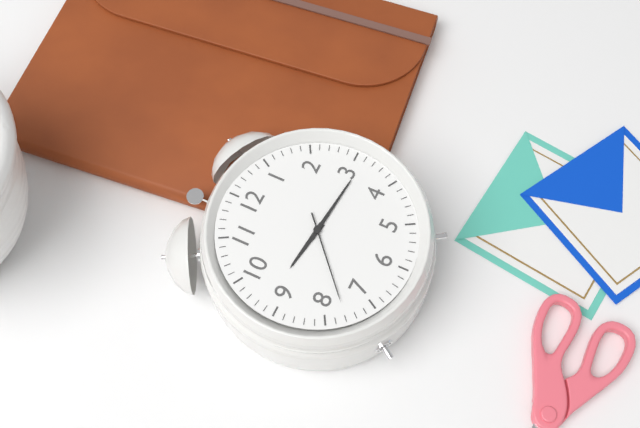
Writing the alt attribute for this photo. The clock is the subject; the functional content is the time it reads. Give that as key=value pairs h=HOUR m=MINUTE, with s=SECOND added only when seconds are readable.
h=9 m=16 s=38
